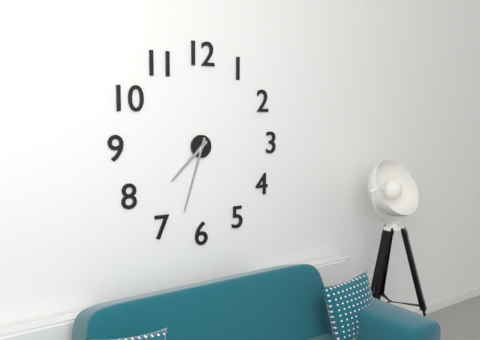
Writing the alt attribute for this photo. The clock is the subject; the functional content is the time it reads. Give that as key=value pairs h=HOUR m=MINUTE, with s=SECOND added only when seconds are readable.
h=7 m=33
